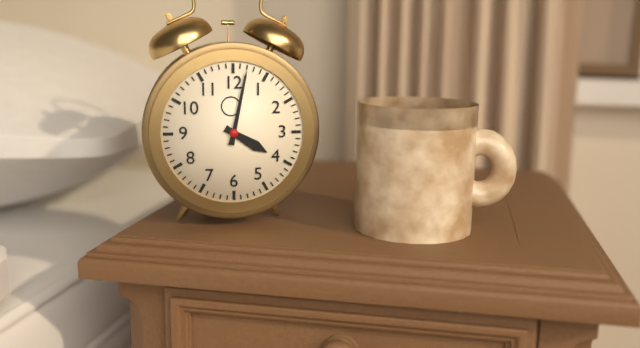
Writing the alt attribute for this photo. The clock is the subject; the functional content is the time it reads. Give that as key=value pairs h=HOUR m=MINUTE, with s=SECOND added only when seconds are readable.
h=4 m=2
